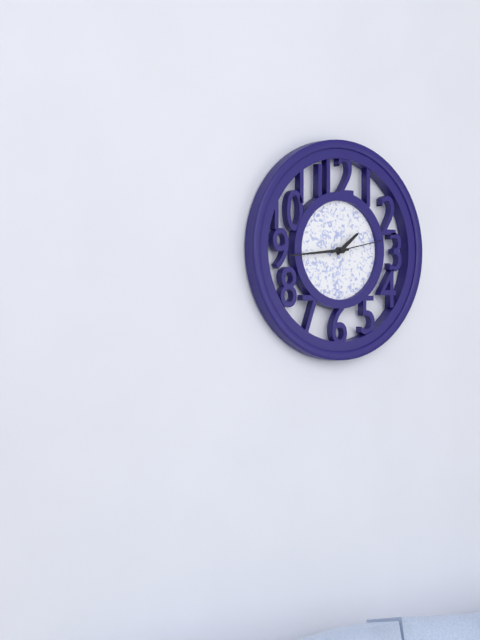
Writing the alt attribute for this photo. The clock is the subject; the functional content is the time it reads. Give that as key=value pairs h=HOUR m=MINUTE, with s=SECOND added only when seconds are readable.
h=1 m=44 s=13
